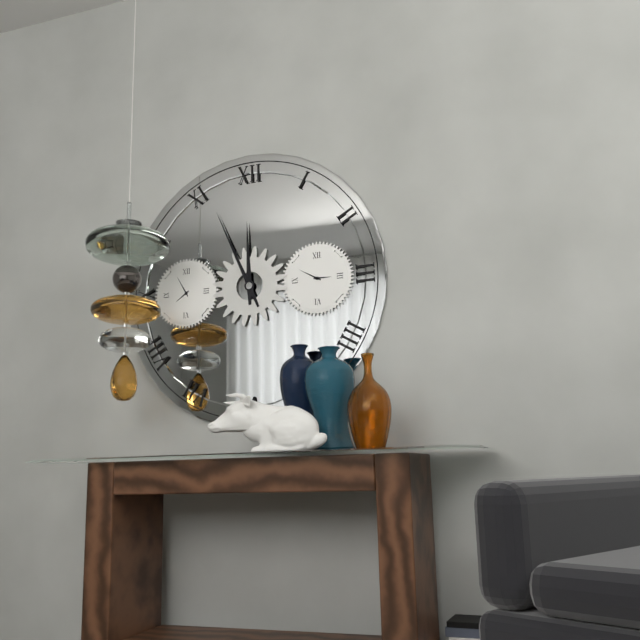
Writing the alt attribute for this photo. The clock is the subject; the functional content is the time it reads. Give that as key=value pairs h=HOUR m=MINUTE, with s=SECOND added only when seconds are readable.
h=11 m=56
